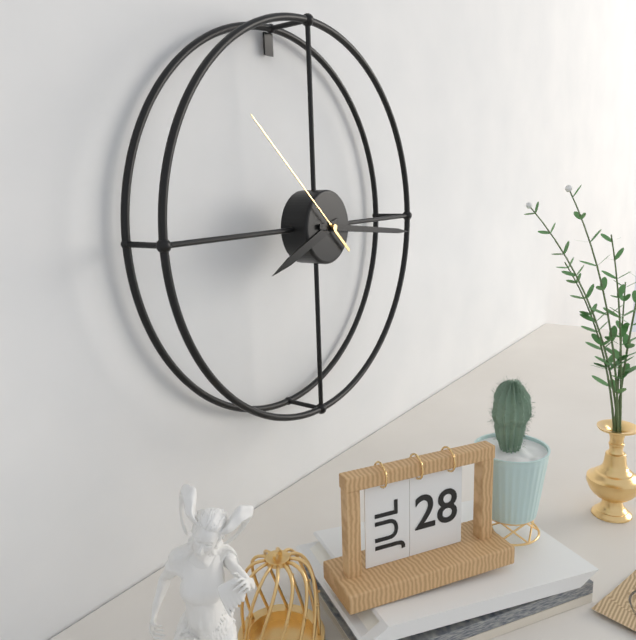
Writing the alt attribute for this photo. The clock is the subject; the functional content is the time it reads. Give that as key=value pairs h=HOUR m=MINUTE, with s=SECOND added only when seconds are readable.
h=8 m=16 s=52
